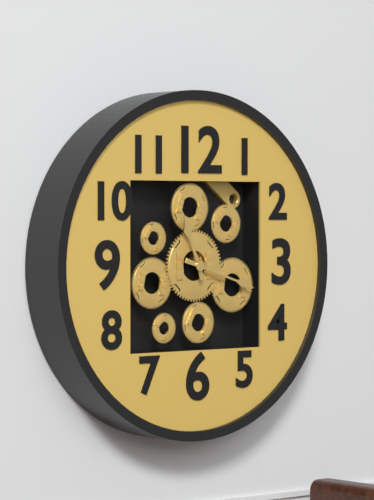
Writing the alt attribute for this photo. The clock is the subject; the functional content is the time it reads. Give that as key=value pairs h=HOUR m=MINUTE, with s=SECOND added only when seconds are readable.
h=11 m=18
